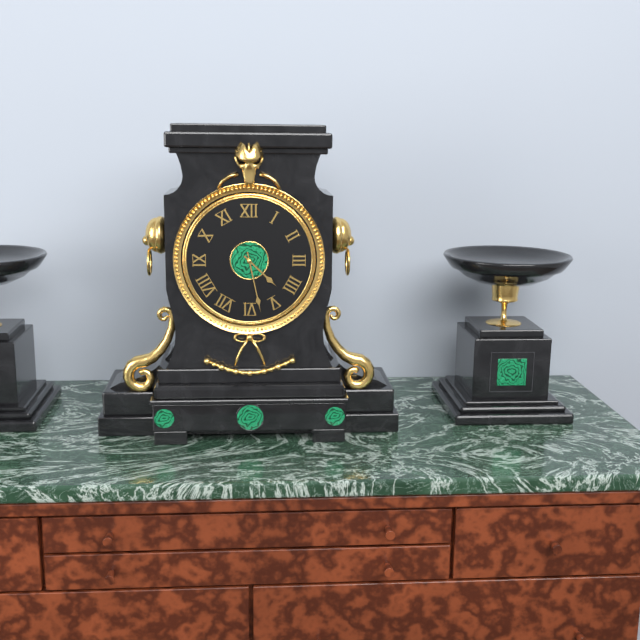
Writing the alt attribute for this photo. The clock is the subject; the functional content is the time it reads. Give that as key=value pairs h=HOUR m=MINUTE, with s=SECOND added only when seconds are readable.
h=4 m=28
